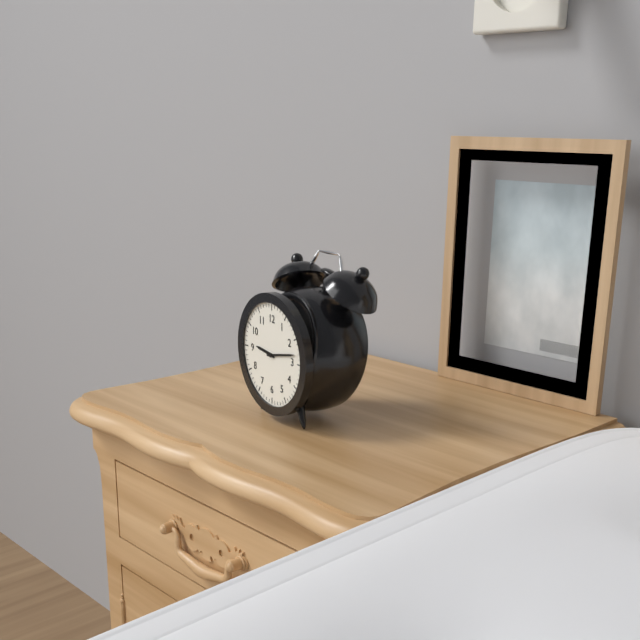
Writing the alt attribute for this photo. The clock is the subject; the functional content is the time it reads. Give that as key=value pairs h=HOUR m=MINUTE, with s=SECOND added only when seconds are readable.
h=9 m=13
